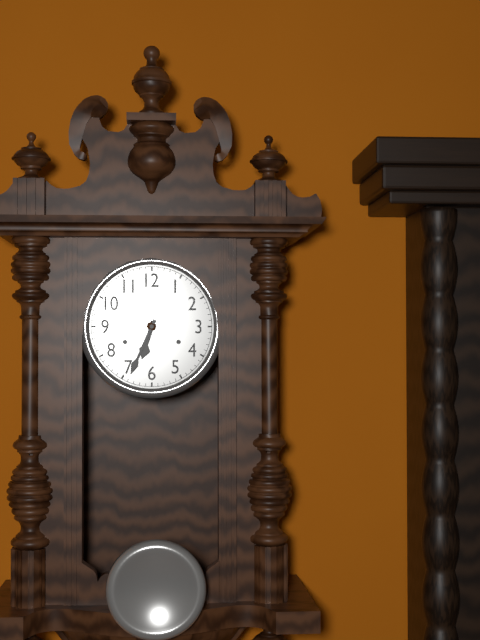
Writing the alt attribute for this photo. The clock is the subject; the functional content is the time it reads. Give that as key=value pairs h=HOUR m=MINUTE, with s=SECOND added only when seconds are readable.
h=6 m=34
